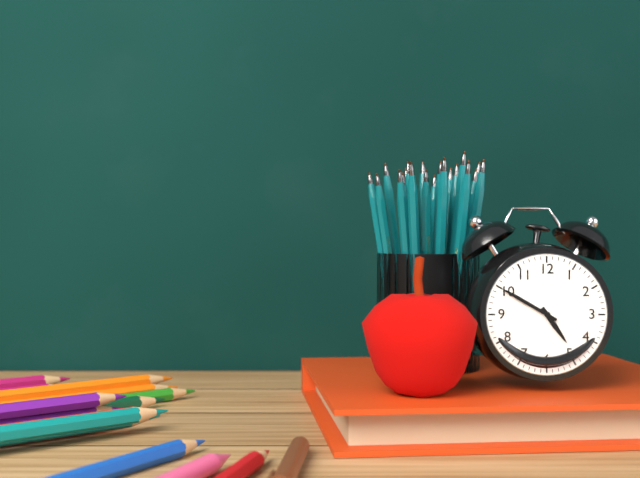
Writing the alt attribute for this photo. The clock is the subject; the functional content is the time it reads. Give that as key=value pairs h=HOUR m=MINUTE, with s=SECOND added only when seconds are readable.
h=4 m=50
